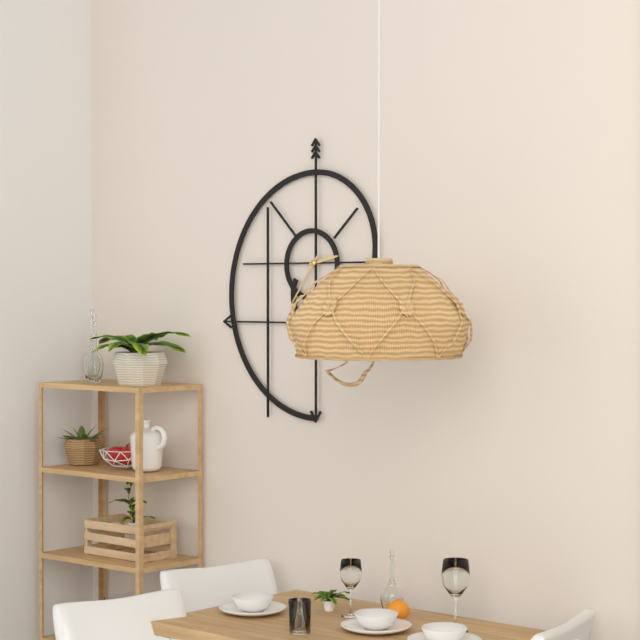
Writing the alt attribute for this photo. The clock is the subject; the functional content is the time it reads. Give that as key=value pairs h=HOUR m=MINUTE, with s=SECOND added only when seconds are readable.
h=2 m=36
